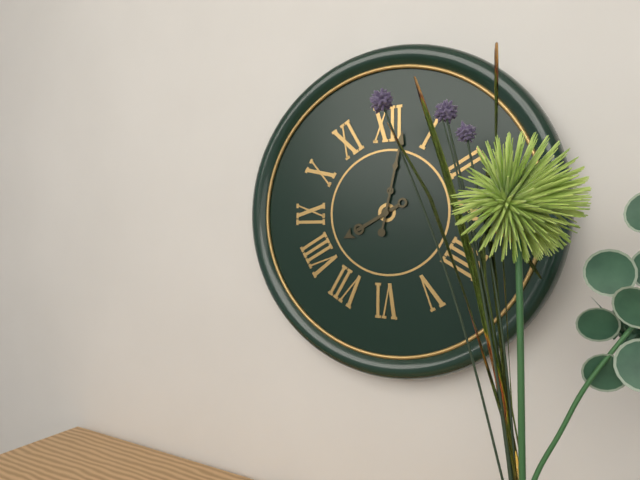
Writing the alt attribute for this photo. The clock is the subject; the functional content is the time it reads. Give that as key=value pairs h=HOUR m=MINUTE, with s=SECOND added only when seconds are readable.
h=8 m=2
